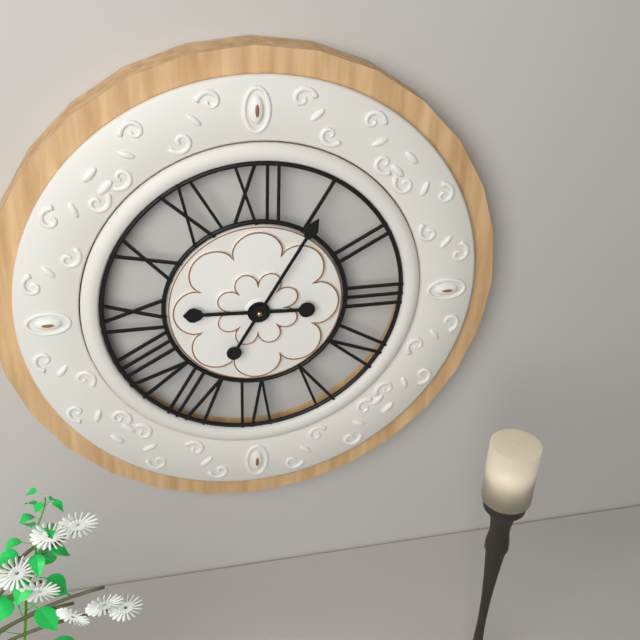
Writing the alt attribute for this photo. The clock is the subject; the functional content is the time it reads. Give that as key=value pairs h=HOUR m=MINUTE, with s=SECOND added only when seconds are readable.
h=9 m=5
